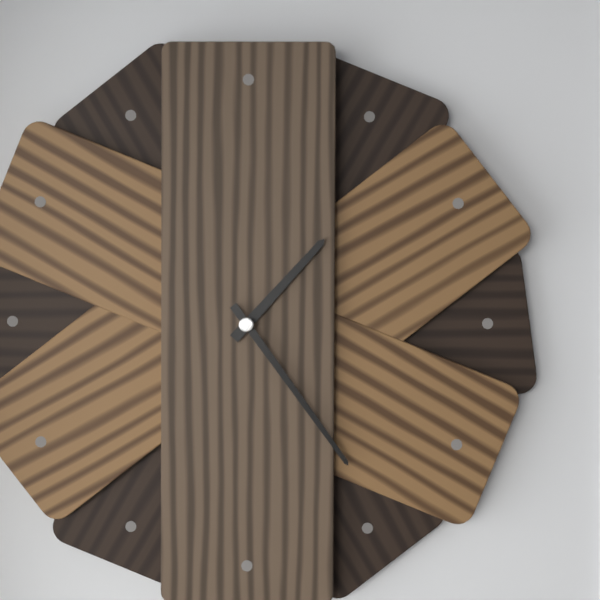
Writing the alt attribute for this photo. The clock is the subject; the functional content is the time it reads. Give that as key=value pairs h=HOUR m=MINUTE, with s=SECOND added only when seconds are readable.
h=1 m=24
